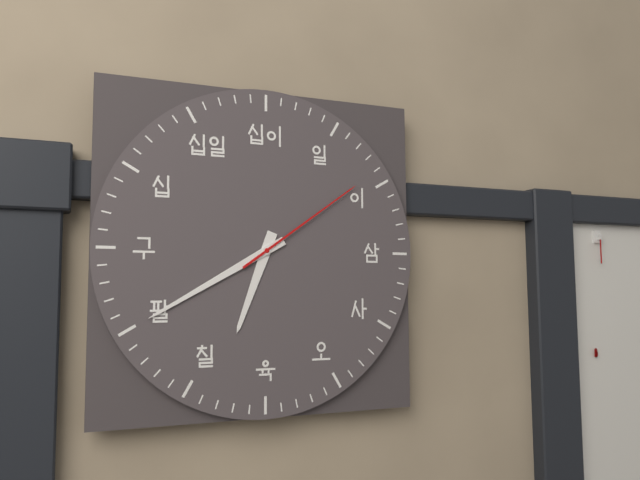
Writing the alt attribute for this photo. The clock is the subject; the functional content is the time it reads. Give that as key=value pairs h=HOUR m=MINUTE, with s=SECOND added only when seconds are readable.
h=6 m=40 s=9
